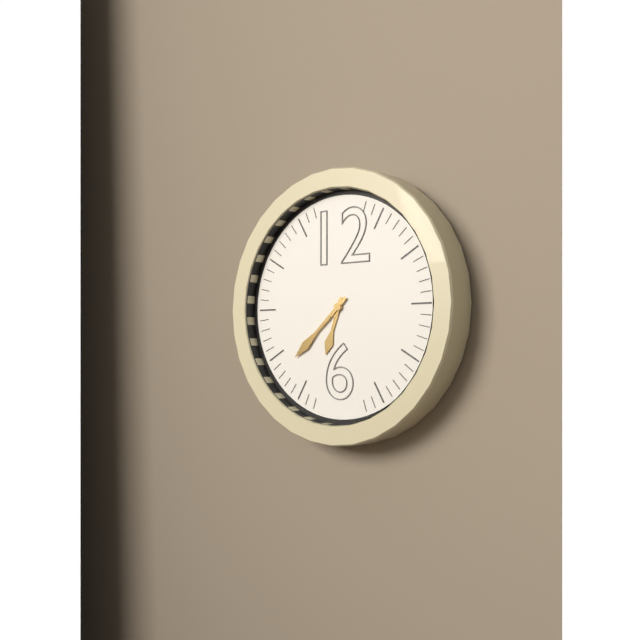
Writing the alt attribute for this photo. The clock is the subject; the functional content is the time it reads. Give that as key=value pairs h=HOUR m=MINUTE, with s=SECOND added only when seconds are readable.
h=6 m=38
